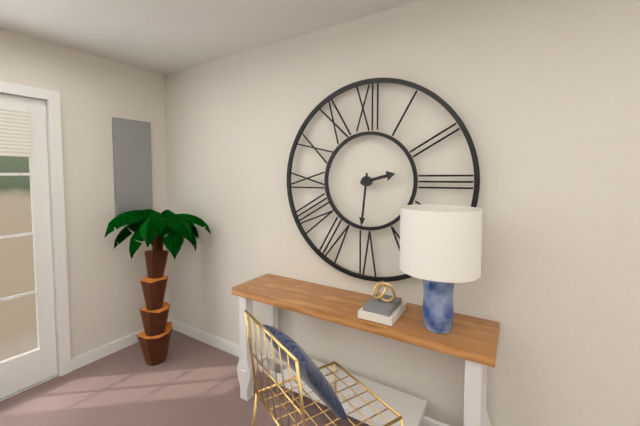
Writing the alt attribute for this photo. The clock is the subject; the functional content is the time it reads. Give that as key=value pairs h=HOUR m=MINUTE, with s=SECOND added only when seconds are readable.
h=2 m=31
